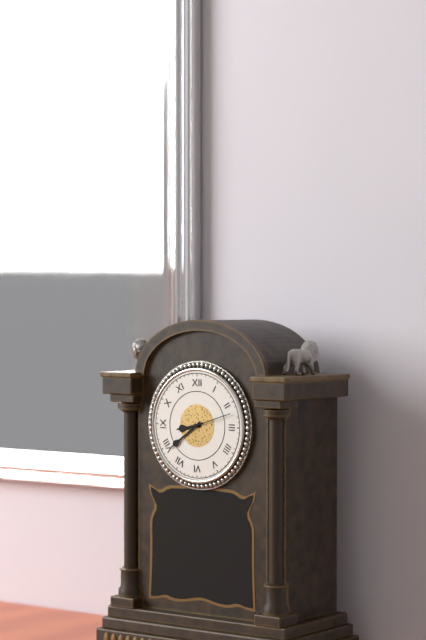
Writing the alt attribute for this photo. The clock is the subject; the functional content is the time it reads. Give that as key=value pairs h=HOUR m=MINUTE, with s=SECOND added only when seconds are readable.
h=8 m=39
